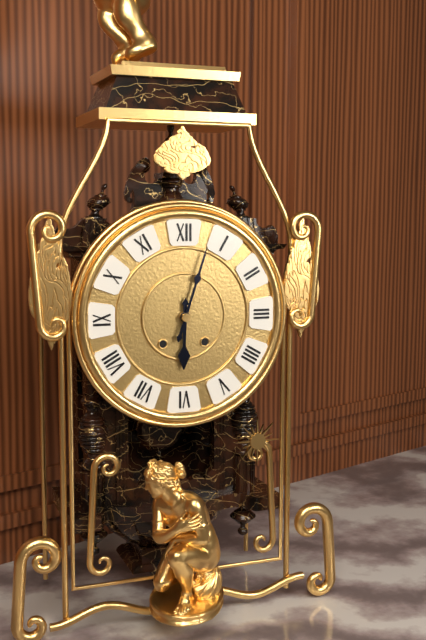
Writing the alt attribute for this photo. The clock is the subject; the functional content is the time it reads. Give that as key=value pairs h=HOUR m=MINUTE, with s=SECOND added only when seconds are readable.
h=6 m=3
